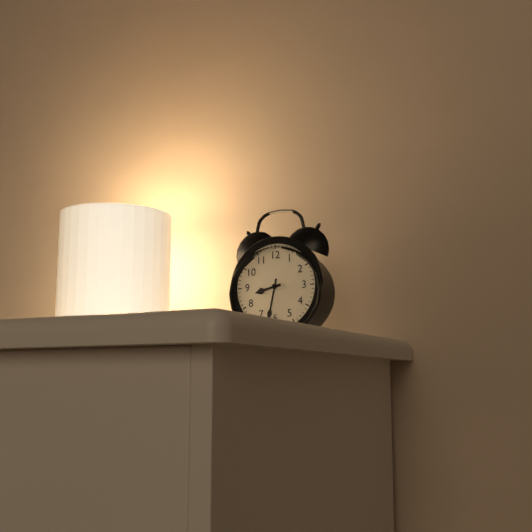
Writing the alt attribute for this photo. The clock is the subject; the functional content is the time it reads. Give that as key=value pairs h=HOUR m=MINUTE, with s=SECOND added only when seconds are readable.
h=8 m=32
